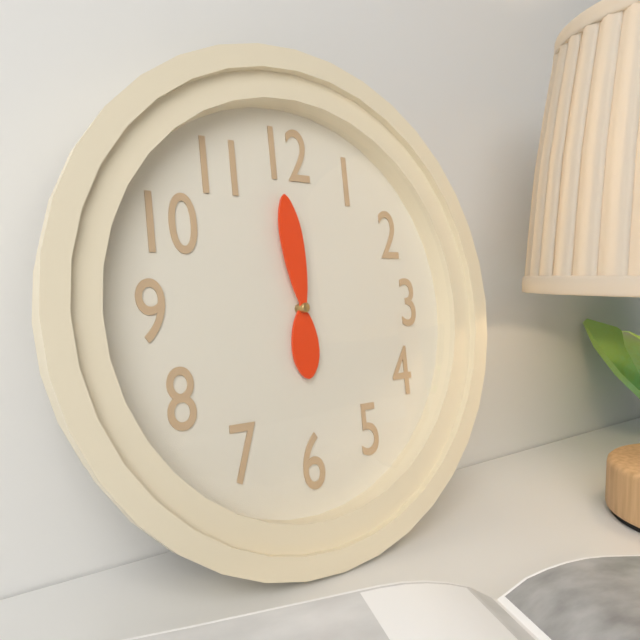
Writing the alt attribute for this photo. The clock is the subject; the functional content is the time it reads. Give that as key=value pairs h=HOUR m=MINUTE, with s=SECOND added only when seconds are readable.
h=5 m=59
